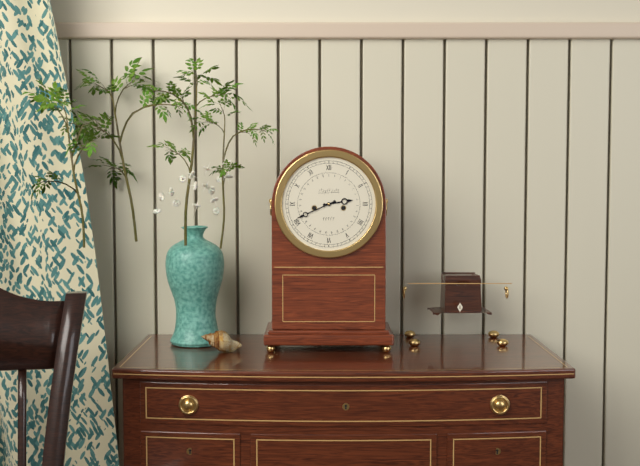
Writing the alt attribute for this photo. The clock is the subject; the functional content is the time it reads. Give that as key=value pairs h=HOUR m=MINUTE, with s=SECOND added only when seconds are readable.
h=2 m=41
